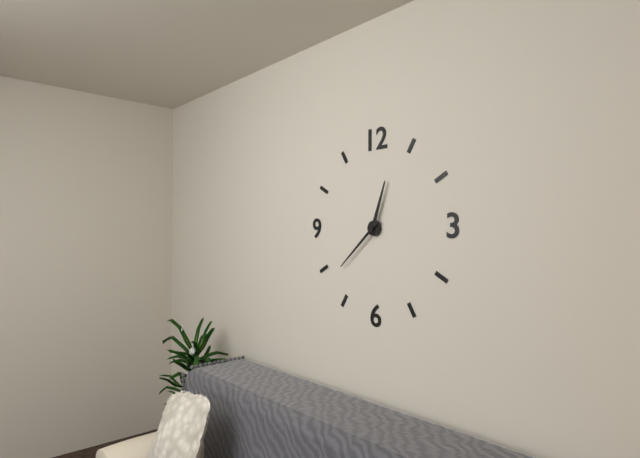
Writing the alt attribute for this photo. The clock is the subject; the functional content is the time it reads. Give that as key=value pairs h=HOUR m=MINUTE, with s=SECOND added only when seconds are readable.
h=12 m=38
